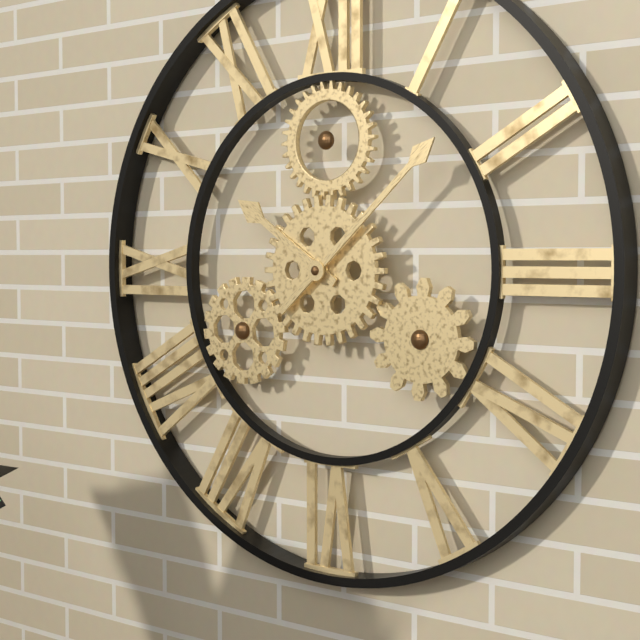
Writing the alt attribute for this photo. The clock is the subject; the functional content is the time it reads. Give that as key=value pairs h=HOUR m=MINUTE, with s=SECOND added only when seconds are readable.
h=10 m=8
